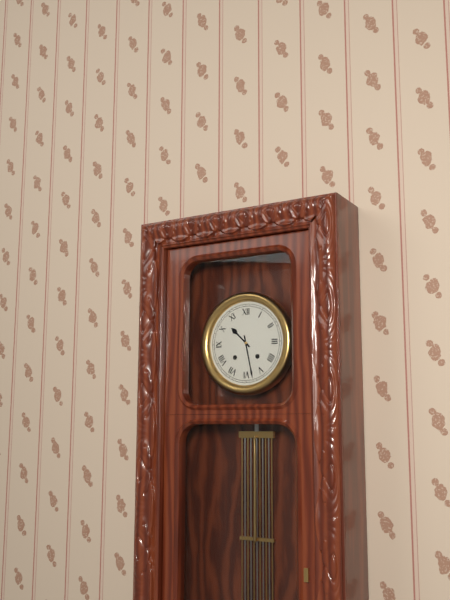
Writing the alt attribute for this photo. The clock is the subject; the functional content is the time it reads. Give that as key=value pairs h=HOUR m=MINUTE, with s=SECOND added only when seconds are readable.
h=10 m=28
